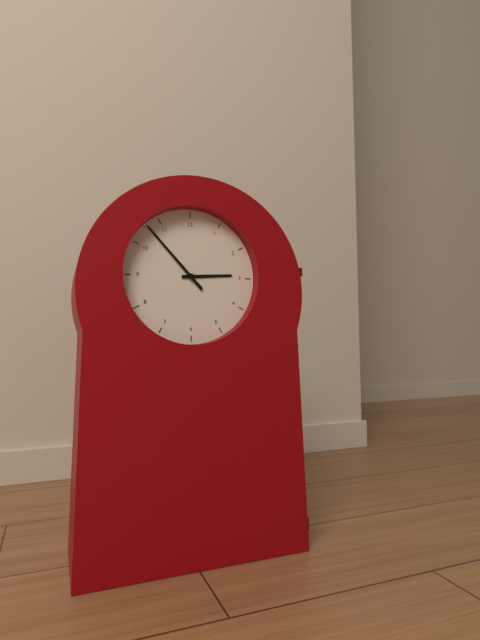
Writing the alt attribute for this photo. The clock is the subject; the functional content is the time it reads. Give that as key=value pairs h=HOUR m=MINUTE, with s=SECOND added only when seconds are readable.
h=2 m=53
